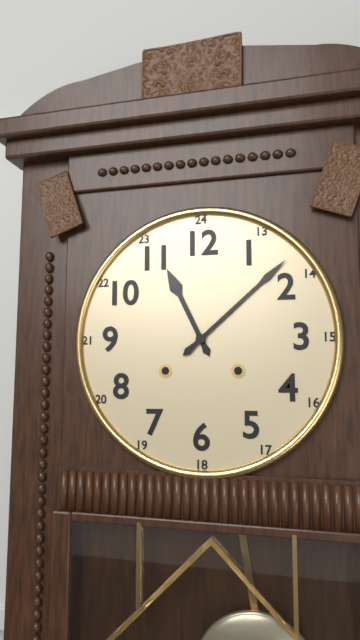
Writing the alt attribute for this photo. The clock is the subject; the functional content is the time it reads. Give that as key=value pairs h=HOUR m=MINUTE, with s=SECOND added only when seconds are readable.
h=11 m=8
